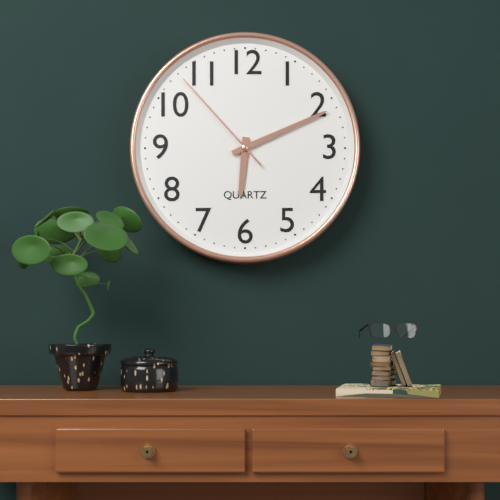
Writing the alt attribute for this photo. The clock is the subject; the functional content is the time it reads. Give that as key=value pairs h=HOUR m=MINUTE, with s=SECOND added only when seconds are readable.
h=6 m=11 s=53
